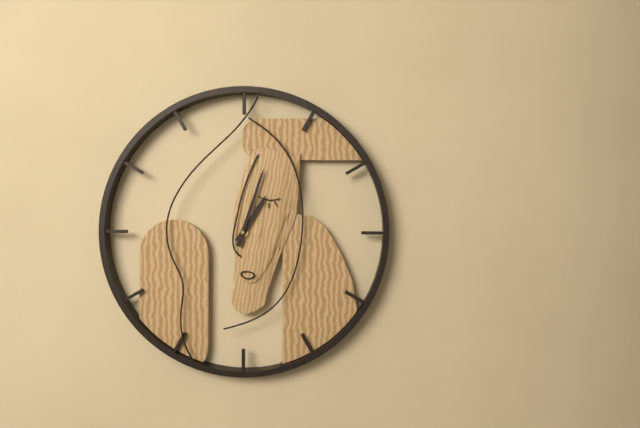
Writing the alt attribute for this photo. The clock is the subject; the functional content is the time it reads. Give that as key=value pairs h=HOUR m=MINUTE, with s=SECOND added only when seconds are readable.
h=1 m=3
